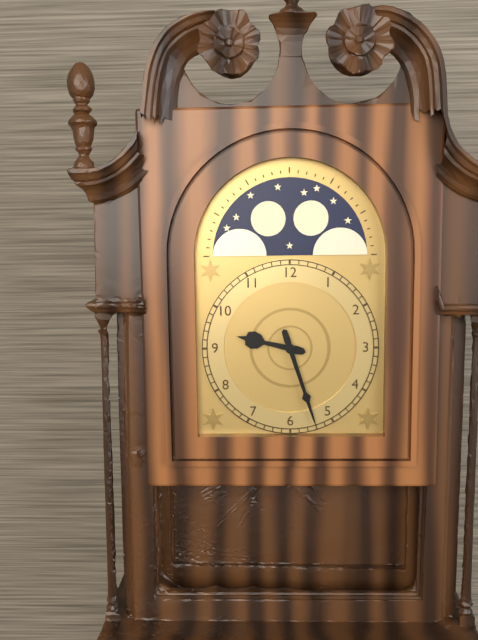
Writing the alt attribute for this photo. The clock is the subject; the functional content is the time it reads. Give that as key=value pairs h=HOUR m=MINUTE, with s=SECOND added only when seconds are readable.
h=9 m=27
